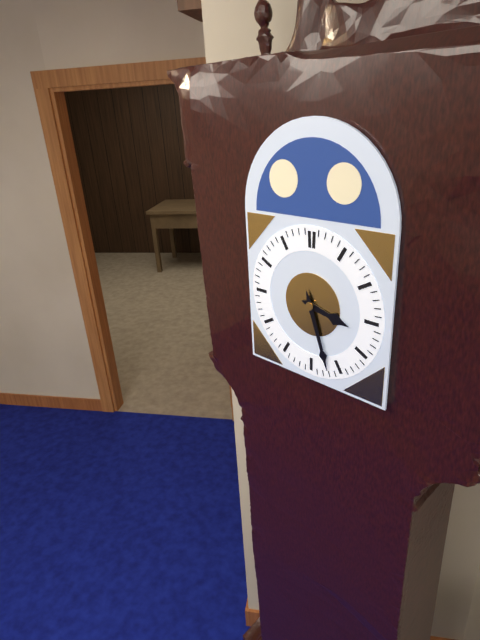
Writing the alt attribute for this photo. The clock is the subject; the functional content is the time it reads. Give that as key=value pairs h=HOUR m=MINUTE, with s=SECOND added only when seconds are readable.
h=3 m=27
